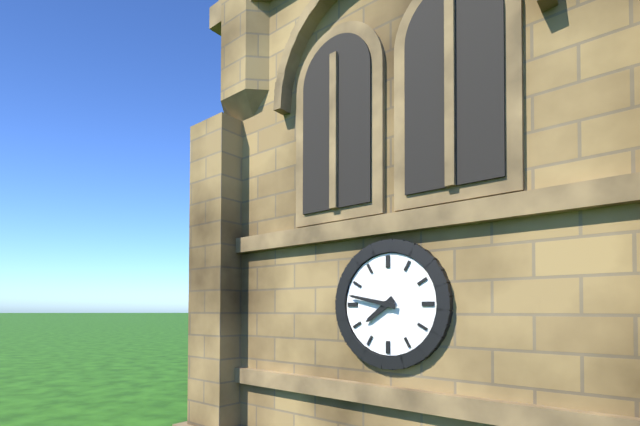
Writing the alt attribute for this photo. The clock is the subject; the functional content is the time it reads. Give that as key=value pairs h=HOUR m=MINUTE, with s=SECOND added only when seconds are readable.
h=7 m=47
